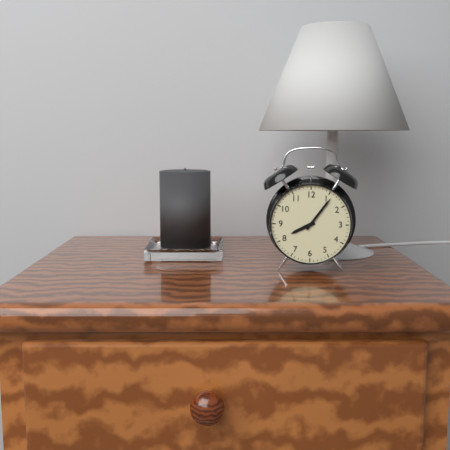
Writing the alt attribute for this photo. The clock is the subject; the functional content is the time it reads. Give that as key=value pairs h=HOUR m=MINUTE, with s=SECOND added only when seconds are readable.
h=8 m=6
